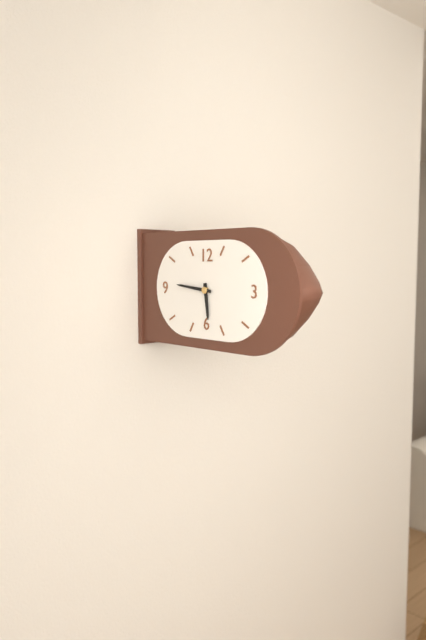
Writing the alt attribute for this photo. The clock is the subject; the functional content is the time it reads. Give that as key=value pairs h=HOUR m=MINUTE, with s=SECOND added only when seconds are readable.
h=5 m=46
